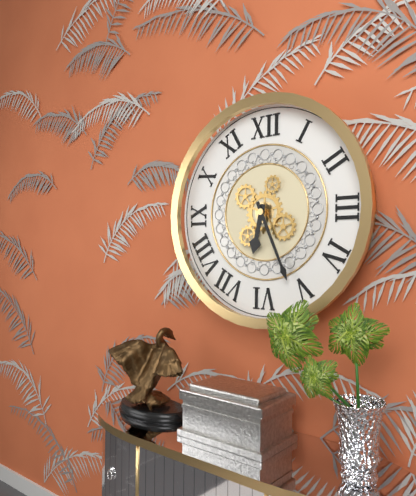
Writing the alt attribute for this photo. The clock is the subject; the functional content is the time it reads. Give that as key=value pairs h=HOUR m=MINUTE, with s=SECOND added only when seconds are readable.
h=6 m=26
